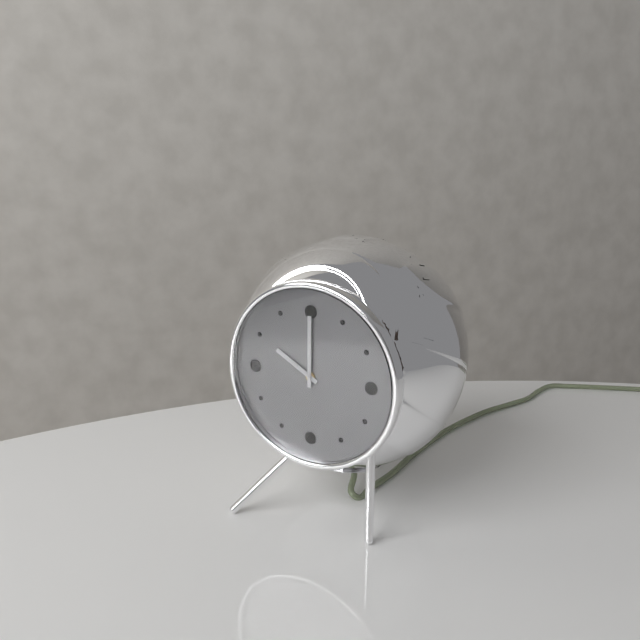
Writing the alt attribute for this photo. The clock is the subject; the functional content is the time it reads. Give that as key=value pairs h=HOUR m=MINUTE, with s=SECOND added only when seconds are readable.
h=10 m=0
